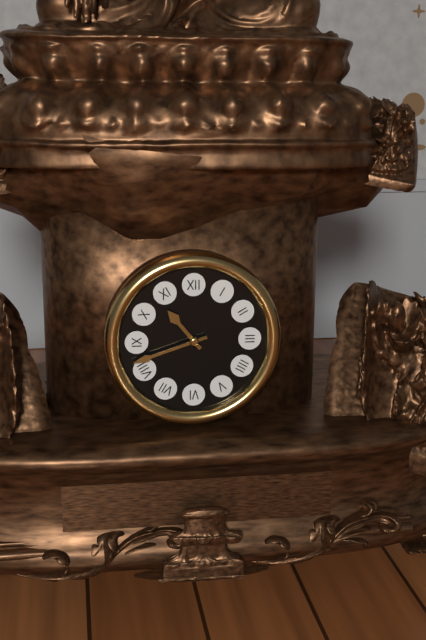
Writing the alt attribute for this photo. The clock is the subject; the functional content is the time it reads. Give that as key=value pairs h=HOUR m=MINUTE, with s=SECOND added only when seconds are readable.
h=10 m=42
